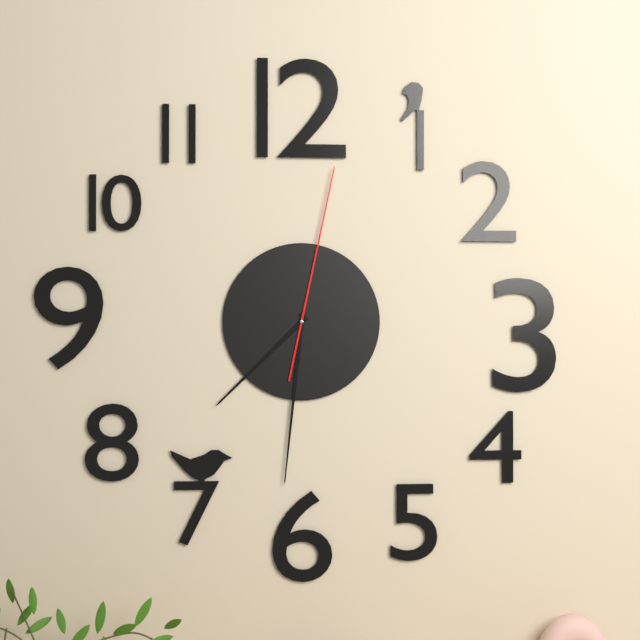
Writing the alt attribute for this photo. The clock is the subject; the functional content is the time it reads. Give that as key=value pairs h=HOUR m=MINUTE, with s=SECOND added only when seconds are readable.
h=7 m=31 s=2
